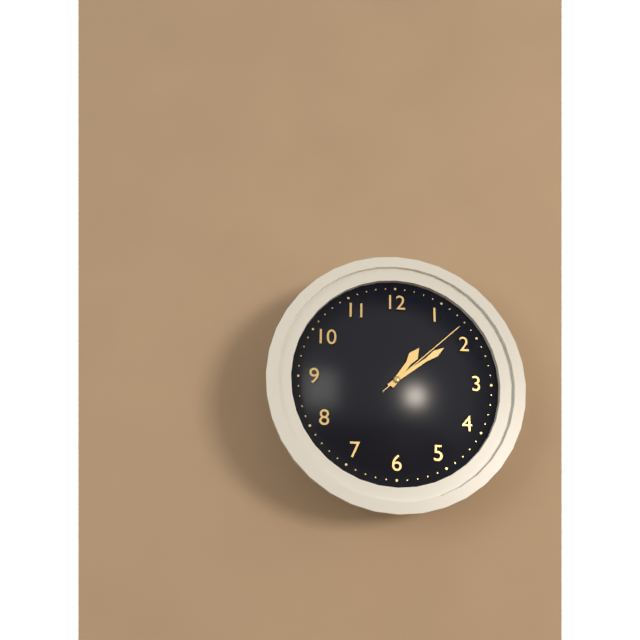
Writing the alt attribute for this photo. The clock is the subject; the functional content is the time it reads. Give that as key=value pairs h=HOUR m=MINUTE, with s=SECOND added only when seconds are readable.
h=1 m=9 s=8
